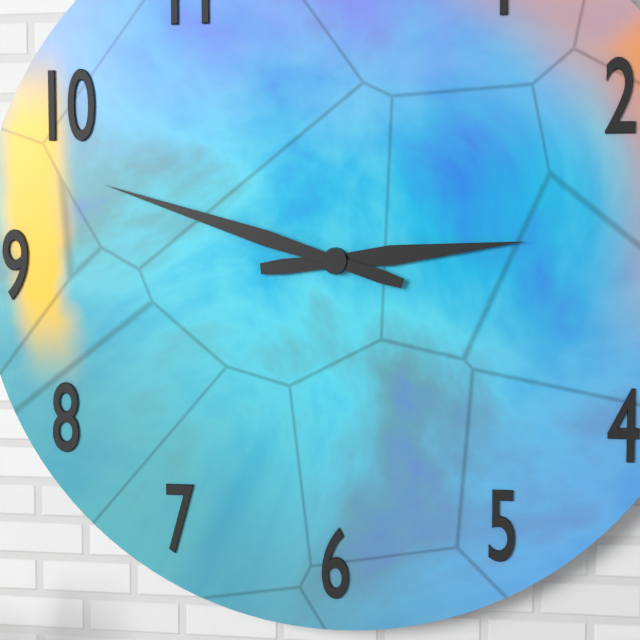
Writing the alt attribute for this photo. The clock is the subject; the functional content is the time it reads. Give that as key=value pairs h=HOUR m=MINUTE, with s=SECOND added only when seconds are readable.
h=2 m=48
